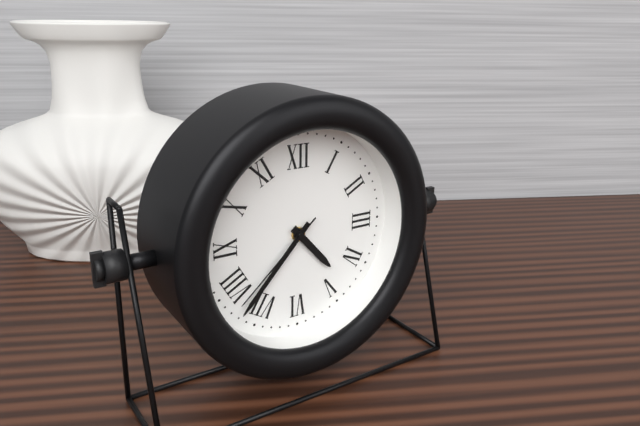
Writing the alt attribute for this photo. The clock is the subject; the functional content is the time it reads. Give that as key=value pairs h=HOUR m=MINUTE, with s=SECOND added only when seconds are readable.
h=4 m=37 s=38
